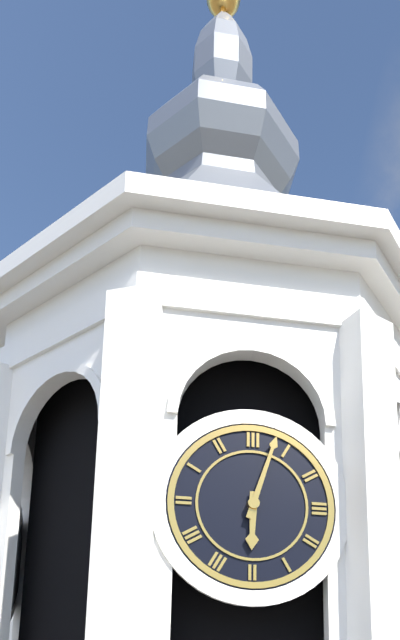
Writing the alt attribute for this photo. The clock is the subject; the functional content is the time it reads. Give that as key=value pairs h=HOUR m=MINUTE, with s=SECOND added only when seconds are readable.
h=6 m=3
